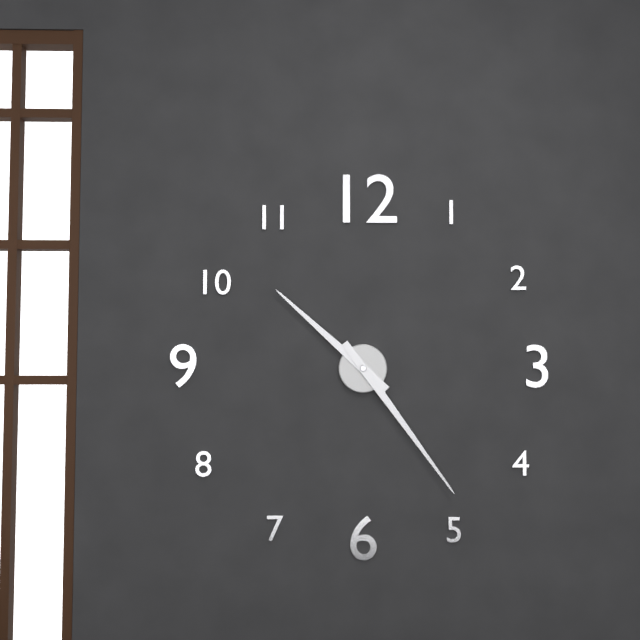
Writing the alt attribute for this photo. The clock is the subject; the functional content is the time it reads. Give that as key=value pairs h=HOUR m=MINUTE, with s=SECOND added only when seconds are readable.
h=10 m=24
